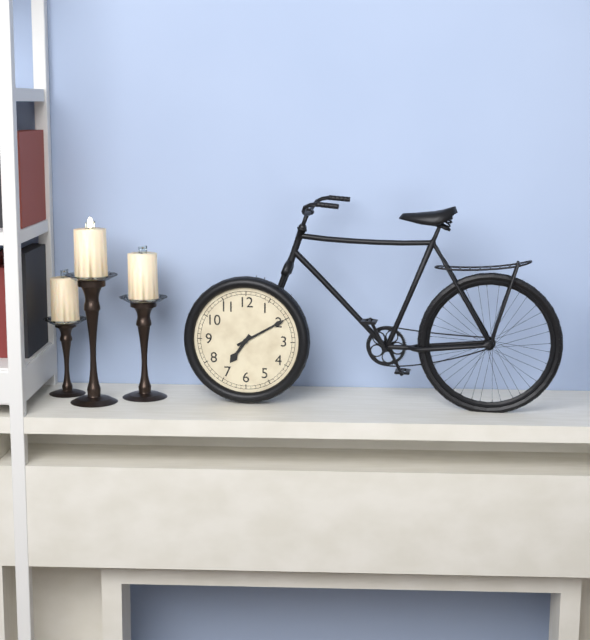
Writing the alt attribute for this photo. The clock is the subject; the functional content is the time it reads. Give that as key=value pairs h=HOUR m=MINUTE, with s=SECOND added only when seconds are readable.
h=7 m=10
